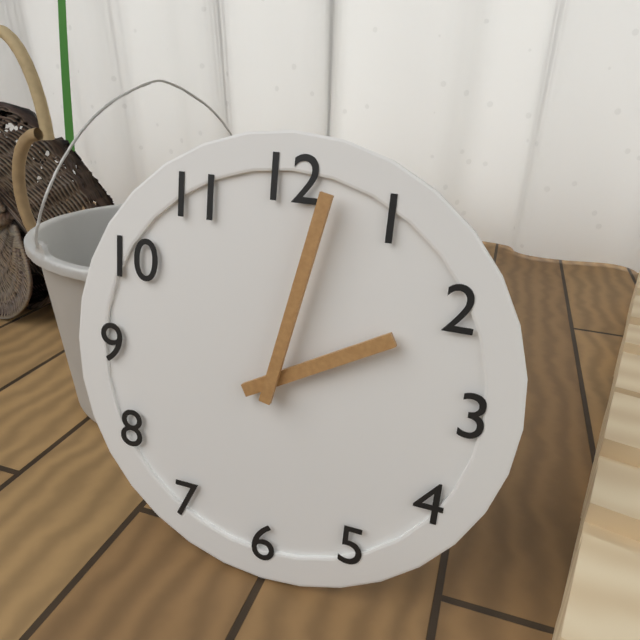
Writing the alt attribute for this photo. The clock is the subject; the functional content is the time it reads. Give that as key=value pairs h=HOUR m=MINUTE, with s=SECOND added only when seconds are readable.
h=2 m=2
